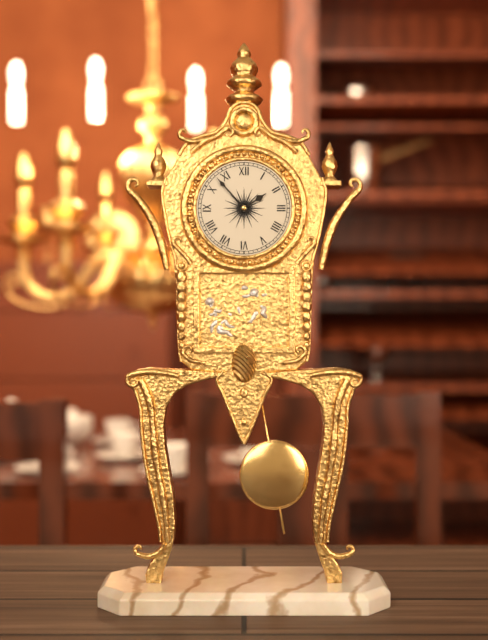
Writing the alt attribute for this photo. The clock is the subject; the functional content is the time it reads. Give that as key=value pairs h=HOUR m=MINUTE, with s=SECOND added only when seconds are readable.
h=1 m=53
